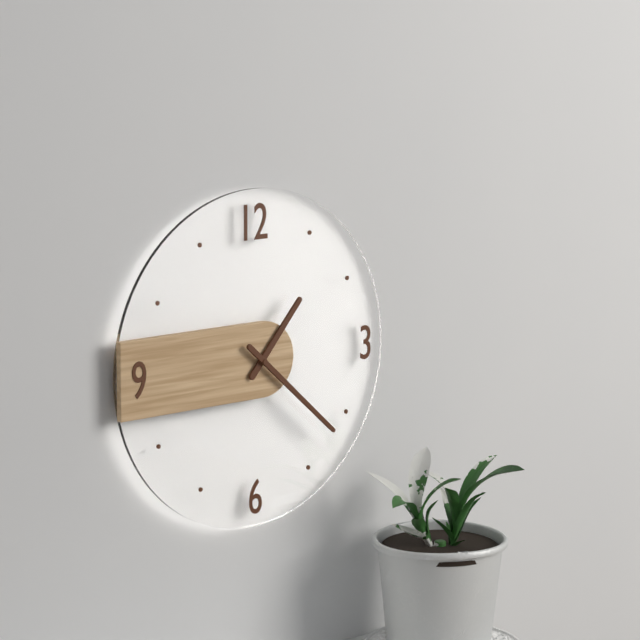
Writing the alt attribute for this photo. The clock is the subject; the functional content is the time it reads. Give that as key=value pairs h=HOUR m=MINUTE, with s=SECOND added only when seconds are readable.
h=1 m=22
